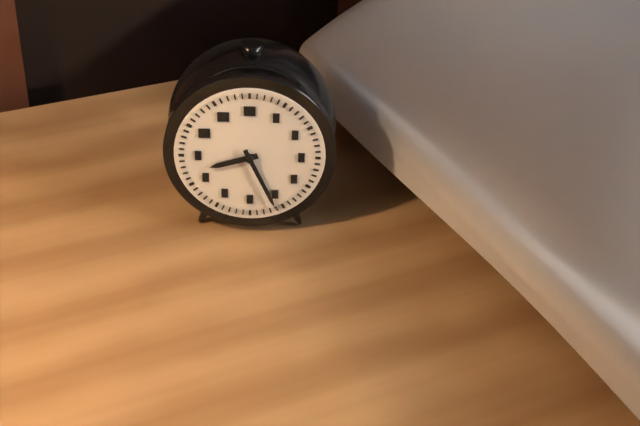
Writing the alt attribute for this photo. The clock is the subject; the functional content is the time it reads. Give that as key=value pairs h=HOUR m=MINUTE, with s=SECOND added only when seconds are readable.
h=8 m=26
